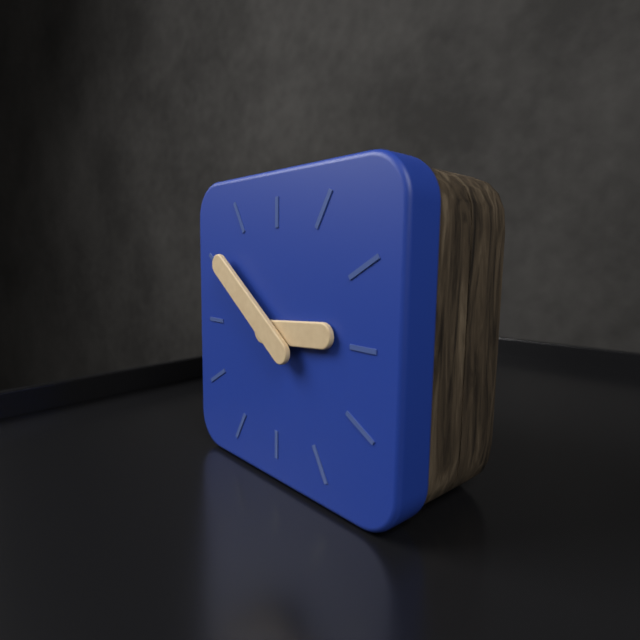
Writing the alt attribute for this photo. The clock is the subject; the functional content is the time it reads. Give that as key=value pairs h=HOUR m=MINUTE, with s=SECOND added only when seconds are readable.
h=2 m=51
